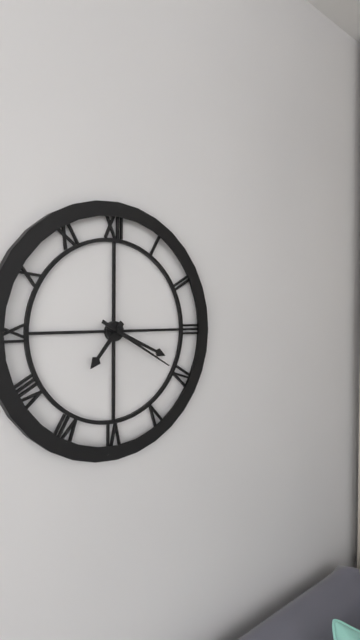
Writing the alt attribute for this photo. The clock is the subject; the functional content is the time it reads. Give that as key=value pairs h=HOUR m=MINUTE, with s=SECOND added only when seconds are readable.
h=7 m=19 s=20
